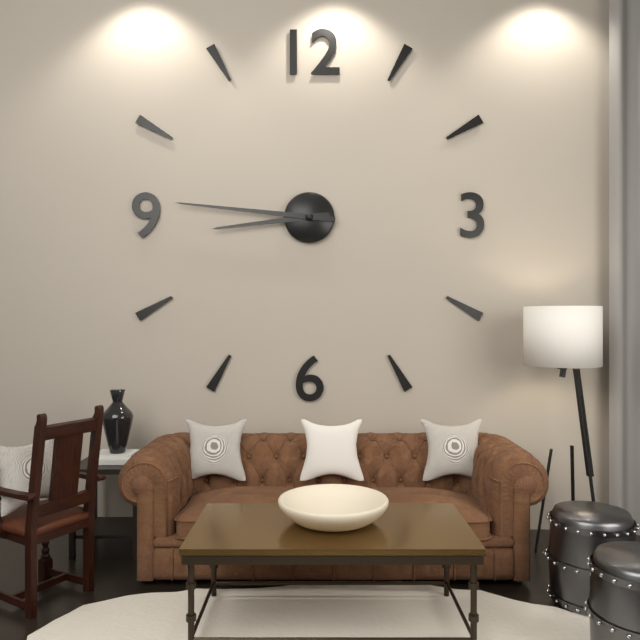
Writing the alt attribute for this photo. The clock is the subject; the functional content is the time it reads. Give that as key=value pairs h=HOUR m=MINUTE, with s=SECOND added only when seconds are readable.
h=8 m=46
